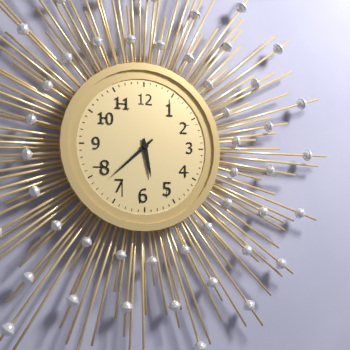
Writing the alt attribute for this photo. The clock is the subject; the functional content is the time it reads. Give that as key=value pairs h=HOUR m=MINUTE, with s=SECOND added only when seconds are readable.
h=5 m=38
